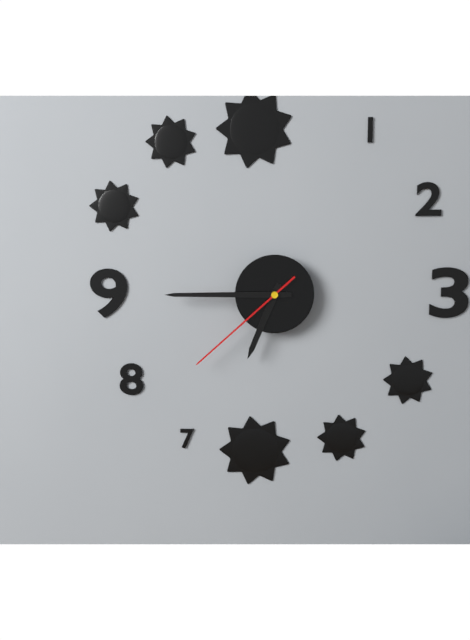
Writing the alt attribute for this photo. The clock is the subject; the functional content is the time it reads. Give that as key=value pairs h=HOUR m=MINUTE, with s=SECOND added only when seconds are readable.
h=6 m=45 s=38
